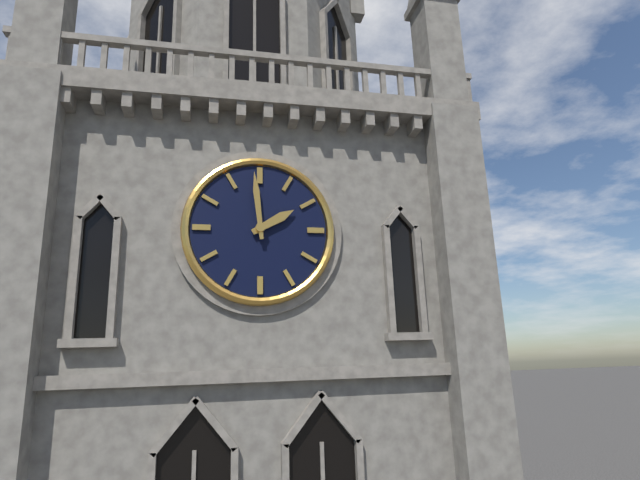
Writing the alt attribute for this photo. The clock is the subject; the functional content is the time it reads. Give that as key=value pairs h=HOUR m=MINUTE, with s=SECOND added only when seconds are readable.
h=1 m=59
